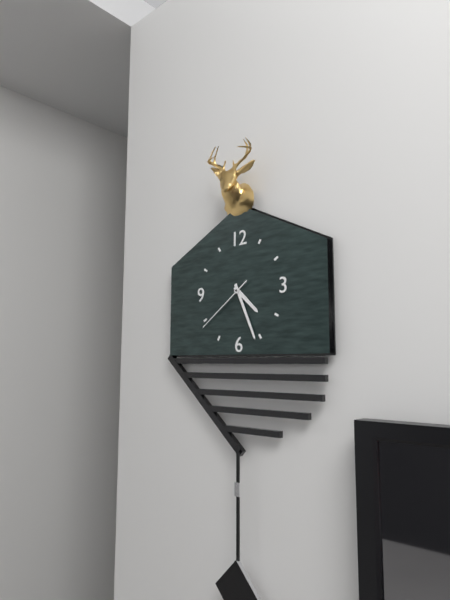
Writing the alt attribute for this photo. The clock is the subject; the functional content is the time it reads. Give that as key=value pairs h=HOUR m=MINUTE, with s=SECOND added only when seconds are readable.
h=4 m=26 s=39
